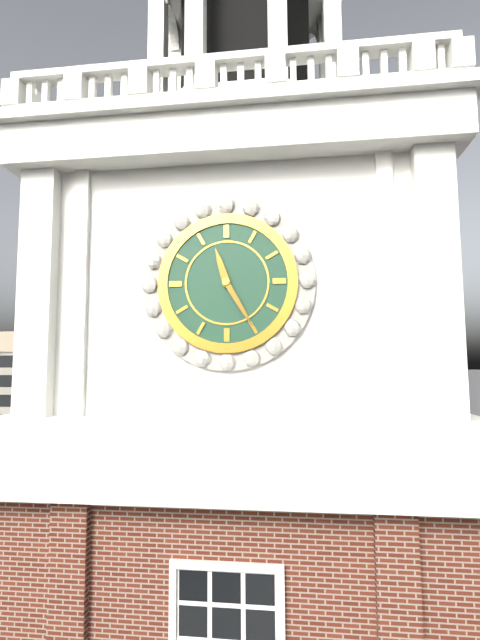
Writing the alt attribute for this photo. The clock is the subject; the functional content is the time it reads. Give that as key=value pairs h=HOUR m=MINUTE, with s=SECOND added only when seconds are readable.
h=11 m=25
